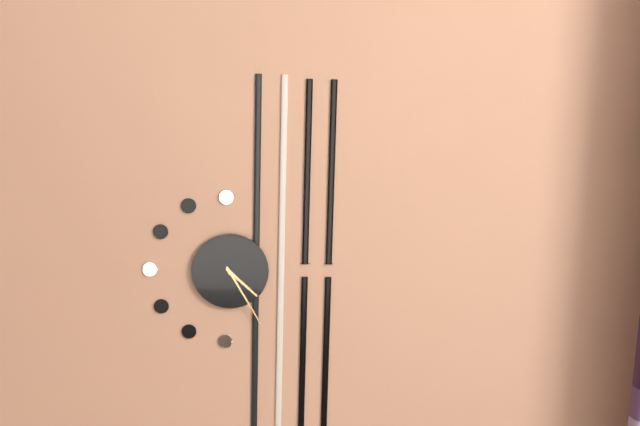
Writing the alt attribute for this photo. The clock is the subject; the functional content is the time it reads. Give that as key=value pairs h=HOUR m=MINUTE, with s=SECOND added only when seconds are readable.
h=4 m=25
